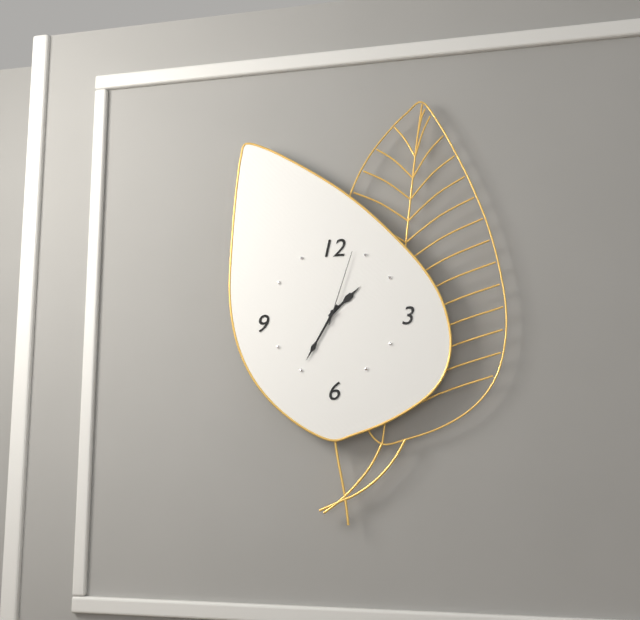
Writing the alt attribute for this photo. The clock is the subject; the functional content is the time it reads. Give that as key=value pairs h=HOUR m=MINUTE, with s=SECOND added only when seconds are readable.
h=1 m=35 s=3
